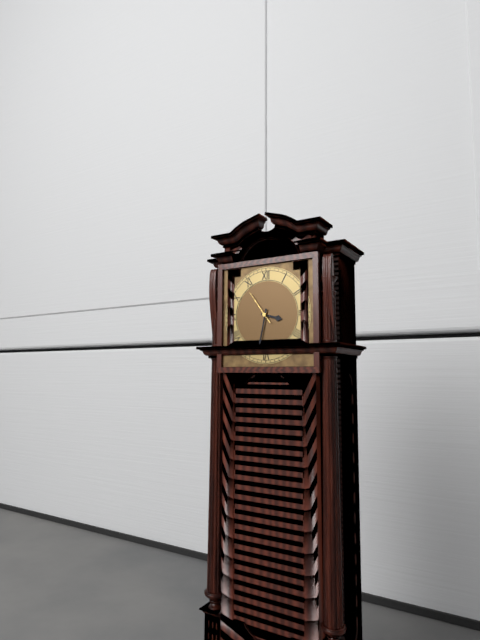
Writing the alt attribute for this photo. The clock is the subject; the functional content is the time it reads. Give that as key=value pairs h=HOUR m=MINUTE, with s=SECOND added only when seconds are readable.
h=3 m=32
